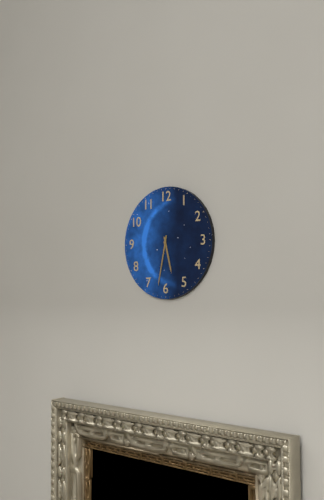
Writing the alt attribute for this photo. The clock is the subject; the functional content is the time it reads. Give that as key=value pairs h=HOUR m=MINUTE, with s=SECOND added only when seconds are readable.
h=5 m=32
